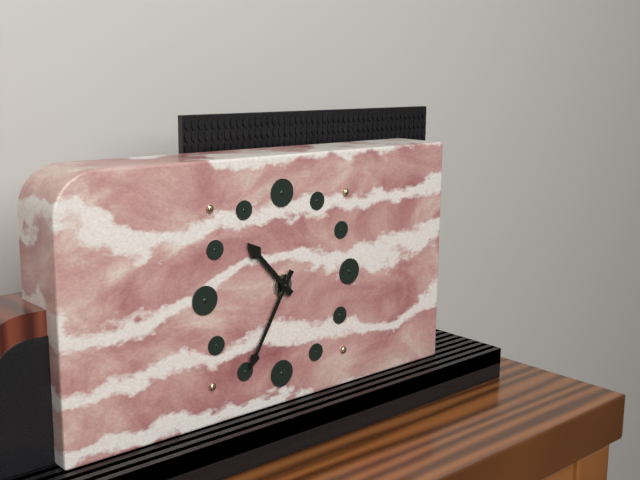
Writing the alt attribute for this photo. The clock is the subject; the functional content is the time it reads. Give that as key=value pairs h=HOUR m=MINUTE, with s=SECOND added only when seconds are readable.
h=10 m=35
